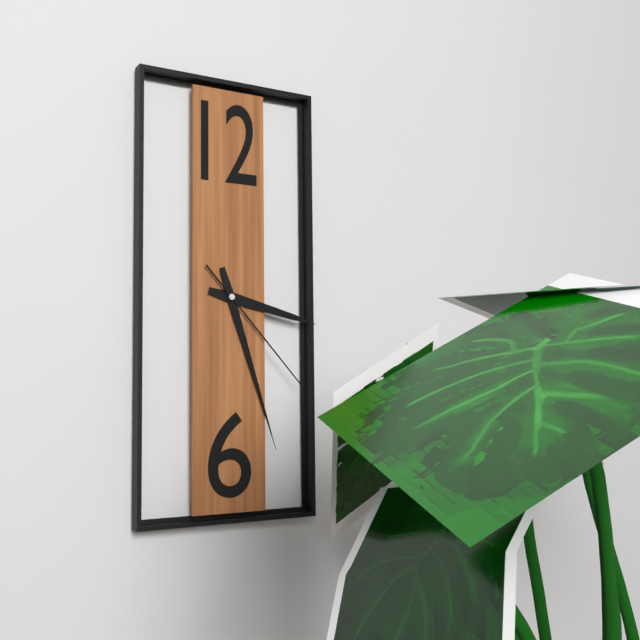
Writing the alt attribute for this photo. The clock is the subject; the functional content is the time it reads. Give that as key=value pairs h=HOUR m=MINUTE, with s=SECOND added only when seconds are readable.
h=3 m=27 s=23
